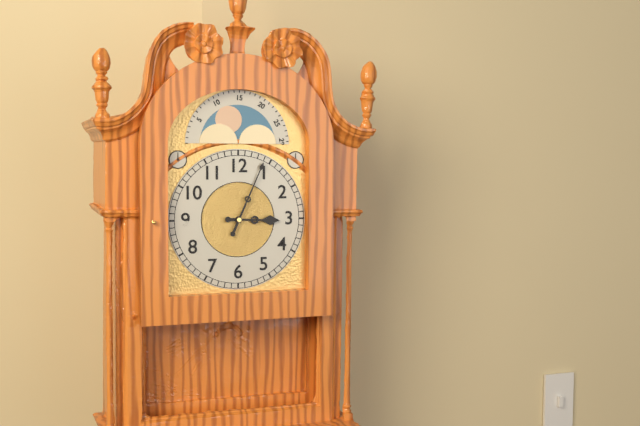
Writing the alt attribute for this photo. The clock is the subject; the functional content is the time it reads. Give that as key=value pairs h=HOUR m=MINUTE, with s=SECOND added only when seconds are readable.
h=3 m=4
